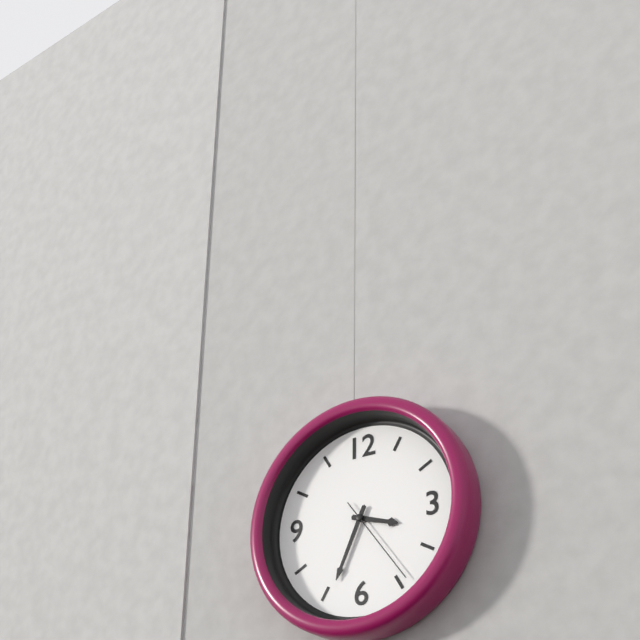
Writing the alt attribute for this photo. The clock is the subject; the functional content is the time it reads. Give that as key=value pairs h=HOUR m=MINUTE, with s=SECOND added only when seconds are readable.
h=3 m=34 s=24
